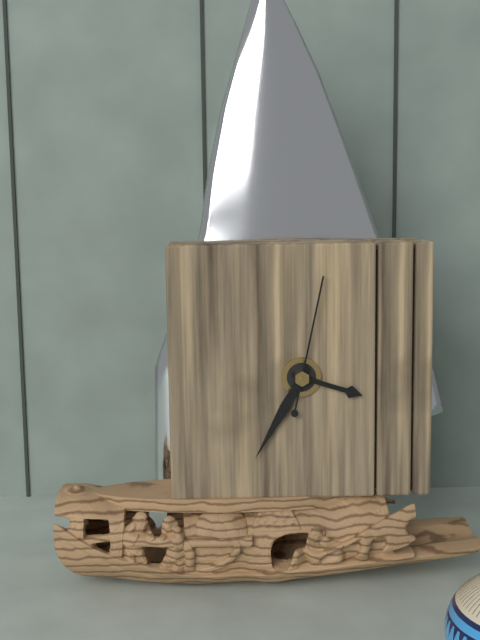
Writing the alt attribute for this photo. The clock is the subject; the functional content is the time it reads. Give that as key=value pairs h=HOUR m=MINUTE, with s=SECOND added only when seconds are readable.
h=3 m=35 s=2
